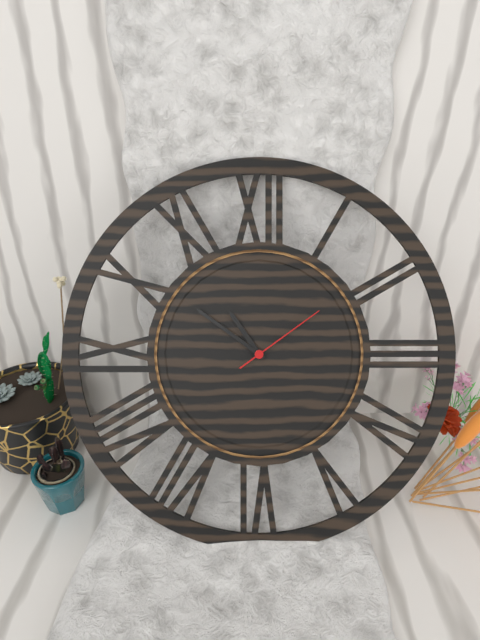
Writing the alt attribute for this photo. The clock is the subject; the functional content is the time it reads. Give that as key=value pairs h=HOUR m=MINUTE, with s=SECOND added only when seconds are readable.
h=10 m=51 s=9
